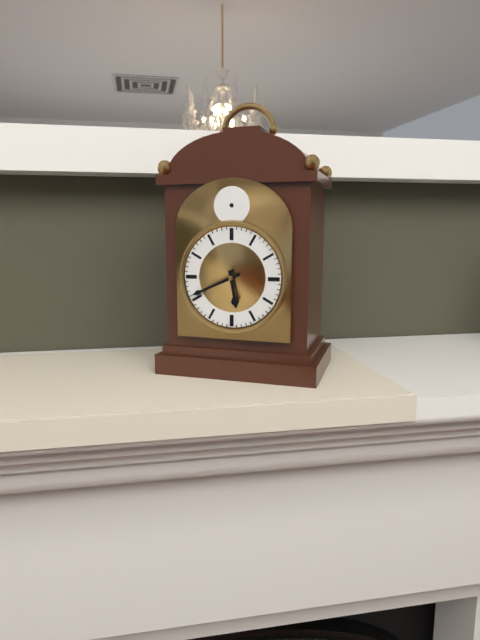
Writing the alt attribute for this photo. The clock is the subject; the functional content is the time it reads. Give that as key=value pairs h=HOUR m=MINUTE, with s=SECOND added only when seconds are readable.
h=5 m=41
